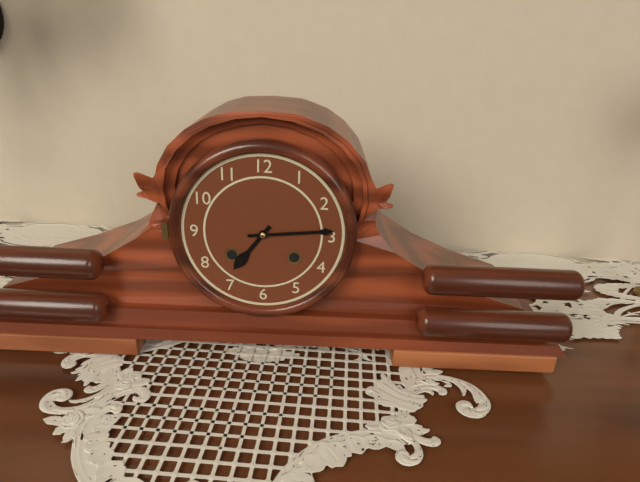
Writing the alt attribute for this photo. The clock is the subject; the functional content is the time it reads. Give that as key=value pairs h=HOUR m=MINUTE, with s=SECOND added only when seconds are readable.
h=7 m=14
